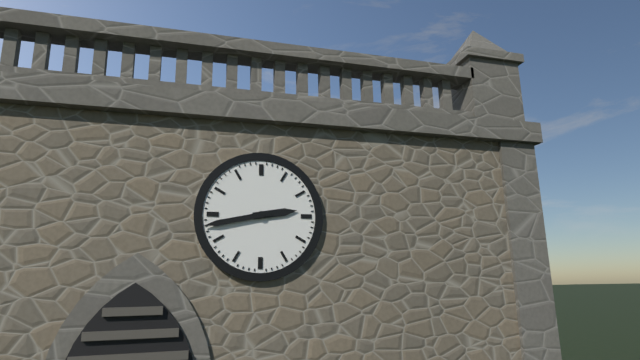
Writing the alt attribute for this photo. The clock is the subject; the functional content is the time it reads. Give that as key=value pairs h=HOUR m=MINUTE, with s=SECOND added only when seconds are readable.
h=2 m=43
